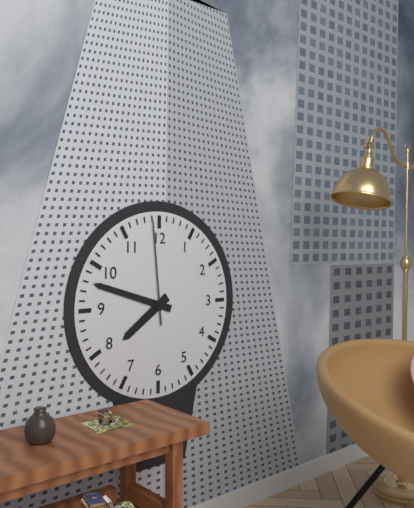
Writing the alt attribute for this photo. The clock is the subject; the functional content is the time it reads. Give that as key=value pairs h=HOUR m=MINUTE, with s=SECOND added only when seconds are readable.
h=7 m=48 s=59
